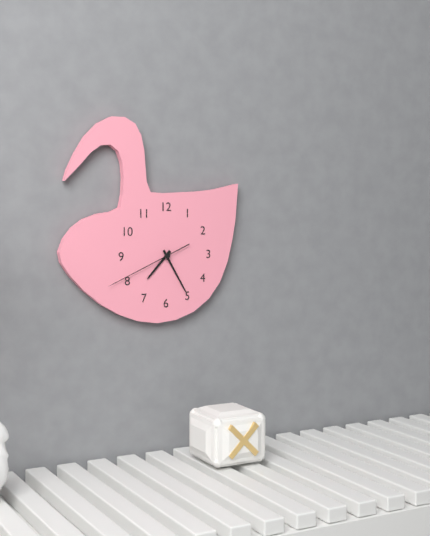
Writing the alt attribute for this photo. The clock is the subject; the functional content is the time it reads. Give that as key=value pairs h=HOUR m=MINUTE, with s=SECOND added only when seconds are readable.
h=7 m=25 s=41
